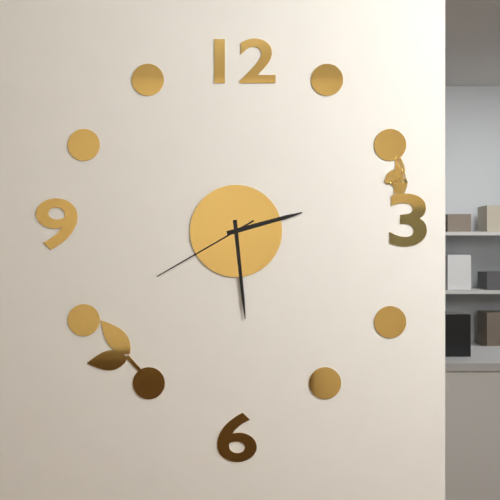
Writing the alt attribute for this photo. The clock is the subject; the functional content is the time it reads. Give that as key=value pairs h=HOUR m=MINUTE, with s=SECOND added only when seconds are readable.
h=2 m=29 s=40
